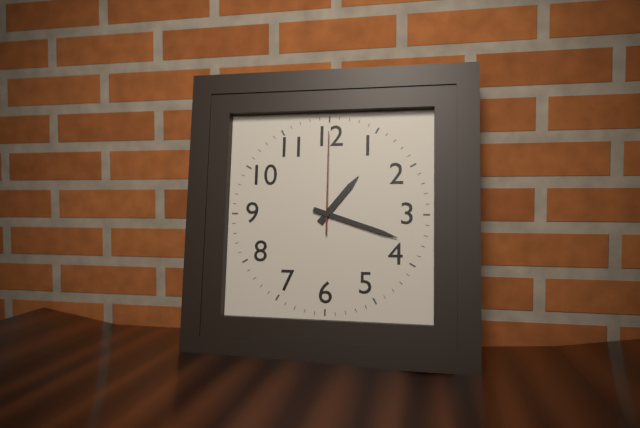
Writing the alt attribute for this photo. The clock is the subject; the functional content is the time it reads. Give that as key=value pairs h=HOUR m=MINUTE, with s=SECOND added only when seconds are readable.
h=1 m=18 s=0
